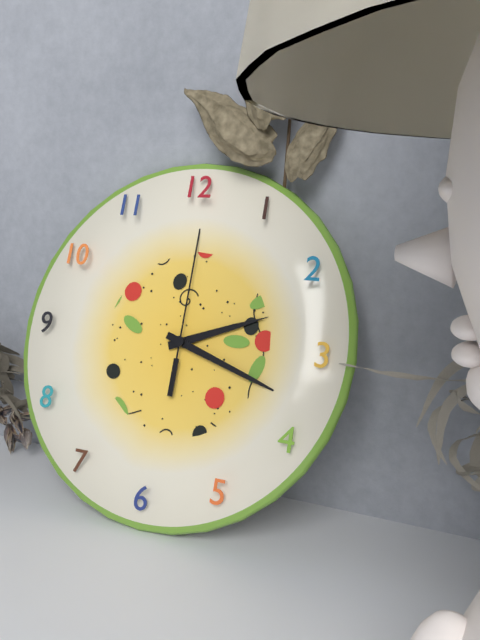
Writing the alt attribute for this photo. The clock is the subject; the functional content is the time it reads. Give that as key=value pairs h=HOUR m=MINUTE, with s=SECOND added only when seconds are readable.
h=2 m=18 s=0
